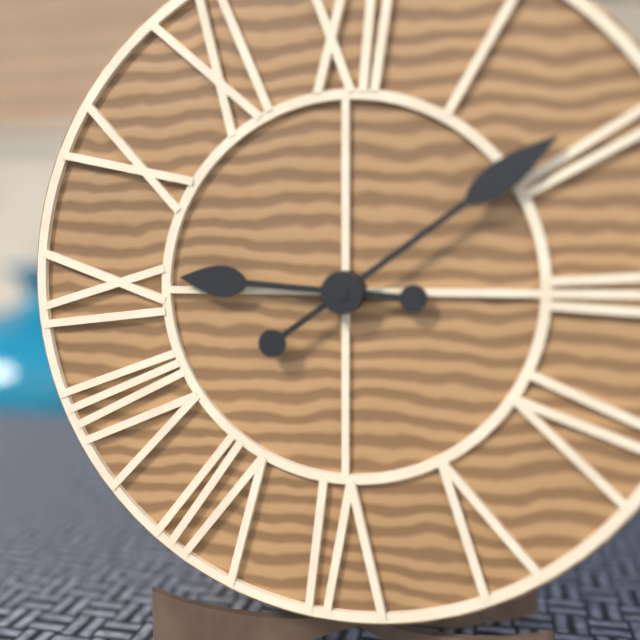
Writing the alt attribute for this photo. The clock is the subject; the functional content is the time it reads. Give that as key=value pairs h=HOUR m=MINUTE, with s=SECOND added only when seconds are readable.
h=9 m=9
